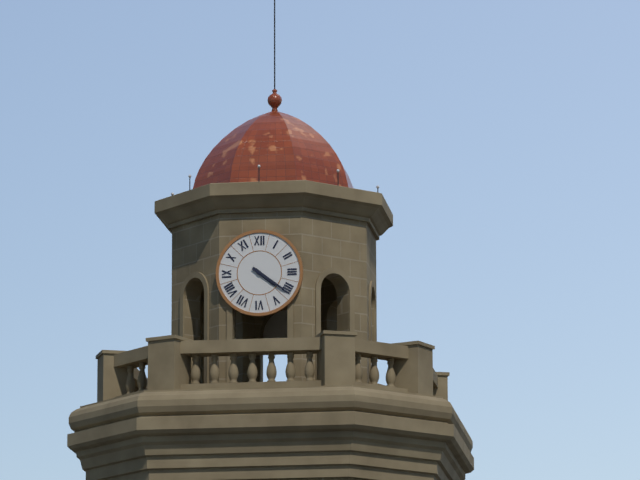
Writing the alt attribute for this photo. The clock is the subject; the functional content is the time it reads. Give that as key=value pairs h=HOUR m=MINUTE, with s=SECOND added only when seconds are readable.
h=4 m=21
